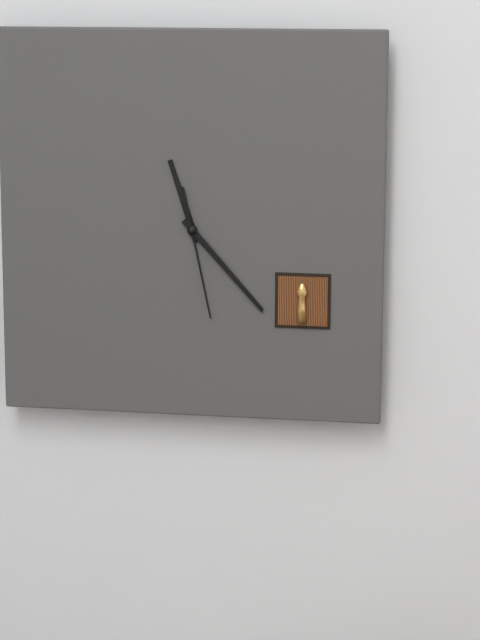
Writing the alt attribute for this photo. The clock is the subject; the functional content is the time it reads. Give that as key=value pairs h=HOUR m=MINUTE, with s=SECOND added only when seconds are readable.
h=11 m=23 s=28
